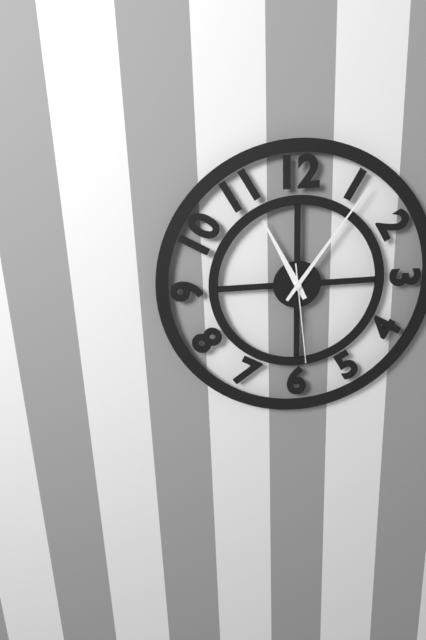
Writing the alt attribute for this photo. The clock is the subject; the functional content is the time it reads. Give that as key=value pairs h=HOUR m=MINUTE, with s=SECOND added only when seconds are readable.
h=11 m=6 s=29
